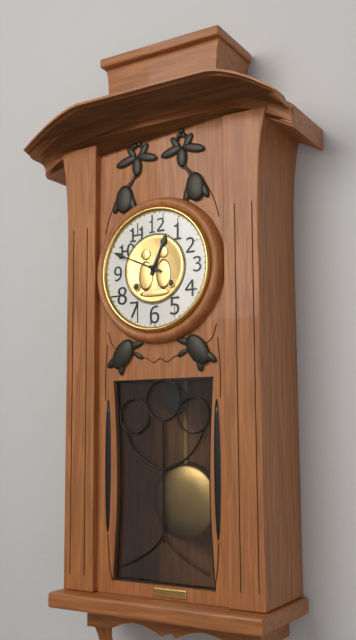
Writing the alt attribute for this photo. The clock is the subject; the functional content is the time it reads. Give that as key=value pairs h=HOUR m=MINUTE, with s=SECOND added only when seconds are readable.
h=12 m=49
